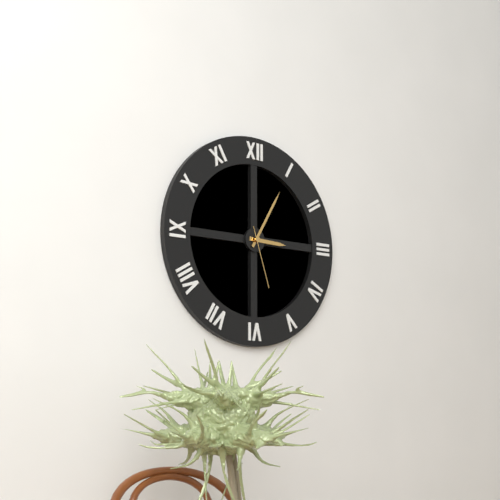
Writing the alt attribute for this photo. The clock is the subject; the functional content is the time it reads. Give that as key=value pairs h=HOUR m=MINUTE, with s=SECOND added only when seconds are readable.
h=3 m=5 s=27
